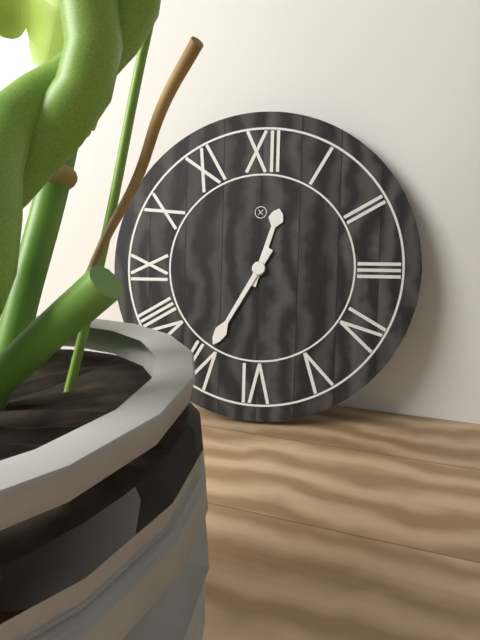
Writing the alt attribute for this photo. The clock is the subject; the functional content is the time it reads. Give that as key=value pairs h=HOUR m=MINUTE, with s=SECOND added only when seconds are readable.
h=12 m=35
